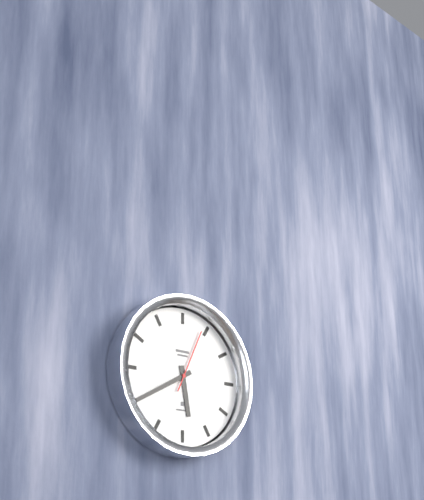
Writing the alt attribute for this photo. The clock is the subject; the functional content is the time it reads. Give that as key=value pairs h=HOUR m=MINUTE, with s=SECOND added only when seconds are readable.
h=5 m=40 s=4
